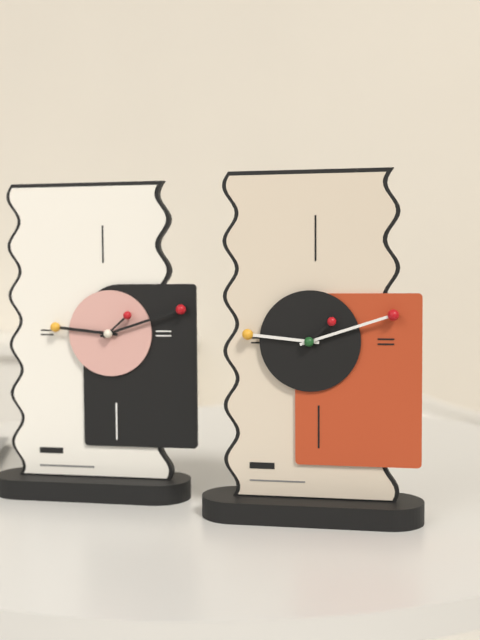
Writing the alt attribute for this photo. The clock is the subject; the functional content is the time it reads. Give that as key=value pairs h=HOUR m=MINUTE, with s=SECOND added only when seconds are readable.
h=9 m=12
